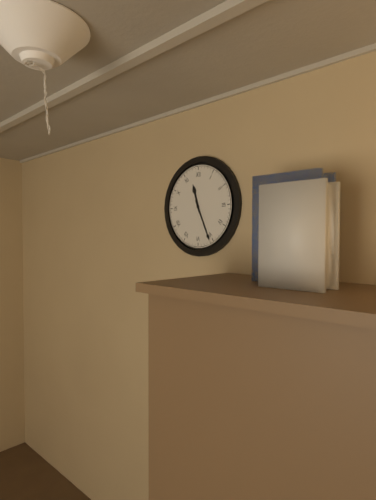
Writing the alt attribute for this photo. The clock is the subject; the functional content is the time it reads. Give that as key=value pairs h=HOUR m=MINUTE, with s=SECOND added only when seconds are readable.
h=11 m=26
